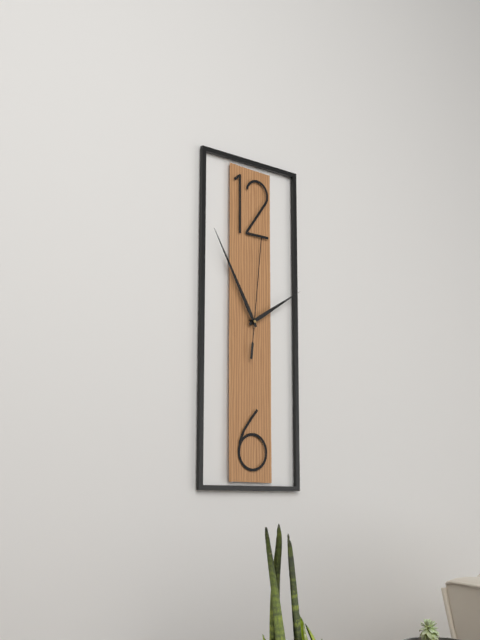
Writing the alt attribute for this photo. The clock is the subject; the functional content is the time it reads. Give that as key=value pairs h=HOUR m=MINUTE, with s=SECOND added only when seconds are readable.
h=1 m=55 s=1
